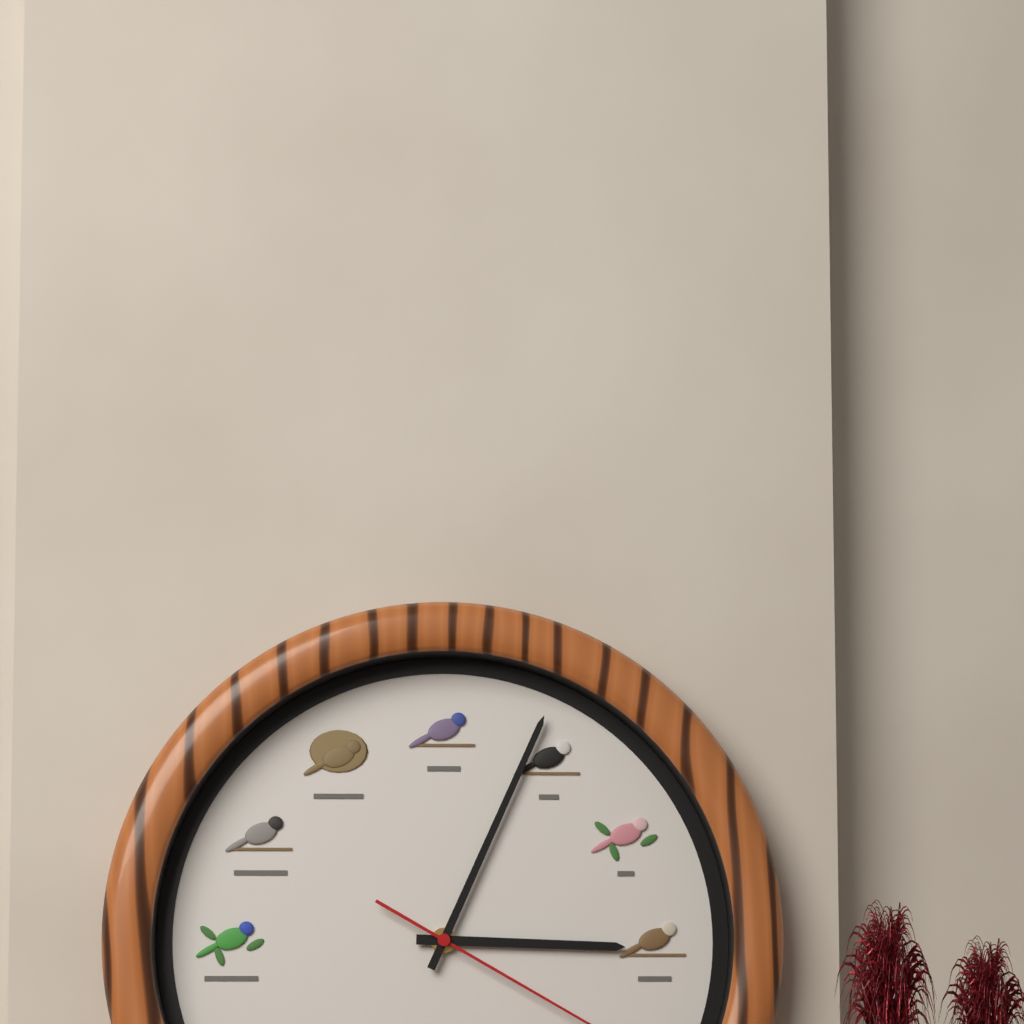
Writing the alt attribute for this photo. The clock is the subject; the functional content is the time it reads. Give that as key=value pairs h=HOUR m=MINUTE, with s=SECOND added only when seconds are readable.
h=3 m=4
